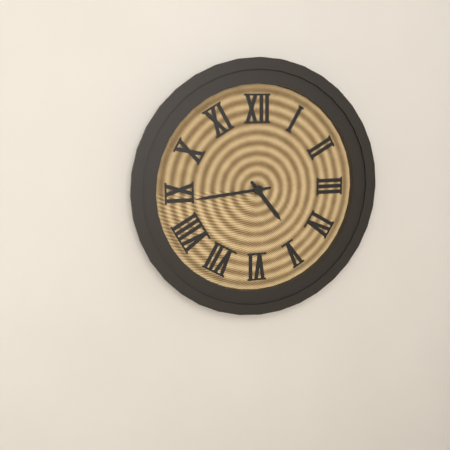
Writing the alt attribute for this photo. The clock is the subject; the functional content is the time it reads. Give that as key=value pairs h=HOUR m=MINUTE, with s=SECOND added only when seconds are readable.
h=4 m=44
